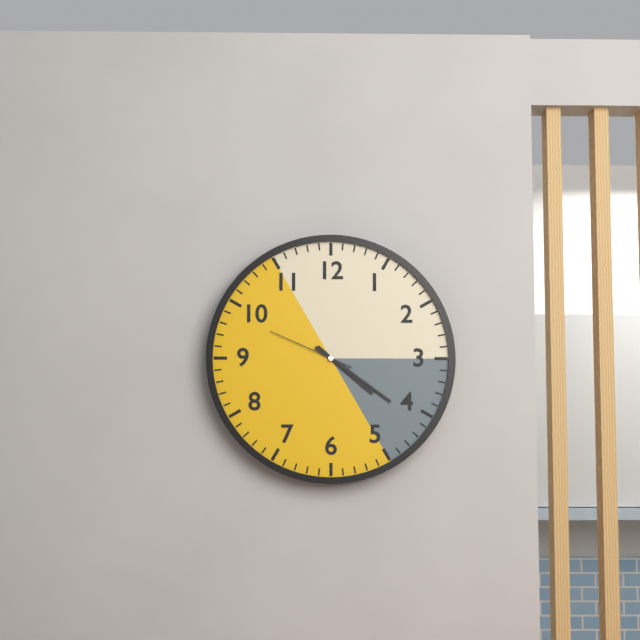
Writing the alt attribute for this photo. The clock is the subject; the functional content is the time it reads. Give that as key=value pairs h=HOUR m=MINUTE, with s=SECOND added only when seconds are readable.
h=4 m=21 s=49
